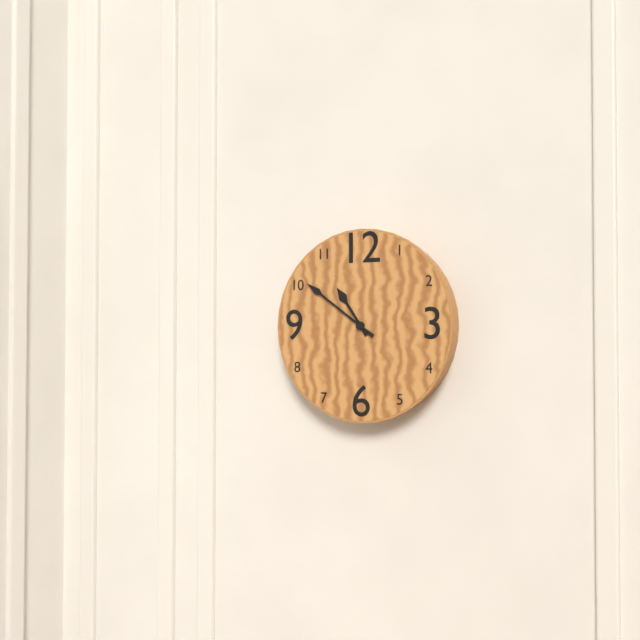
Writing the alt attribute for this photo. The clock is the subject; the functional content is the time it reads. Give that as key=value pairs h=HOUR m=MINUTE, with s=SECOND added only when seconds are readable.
h=10 m=51
